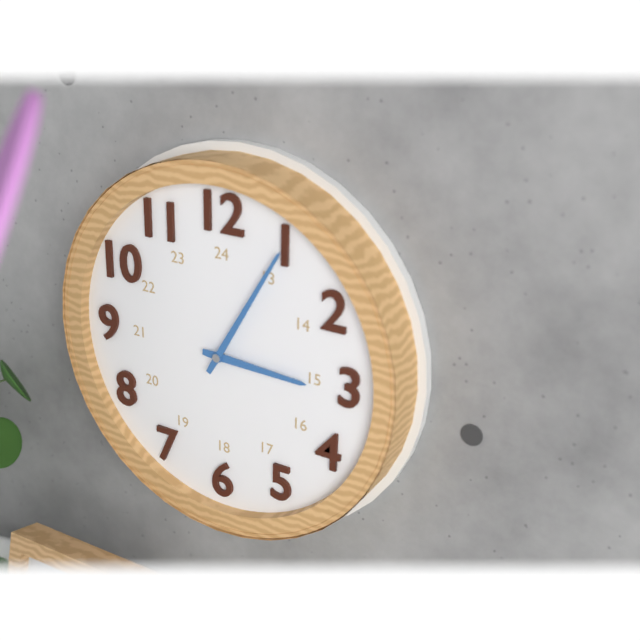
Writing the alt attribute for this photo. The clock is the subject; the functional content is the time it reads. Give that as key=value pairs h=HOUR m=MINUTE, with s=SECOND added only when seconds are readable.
h=3 m=5
